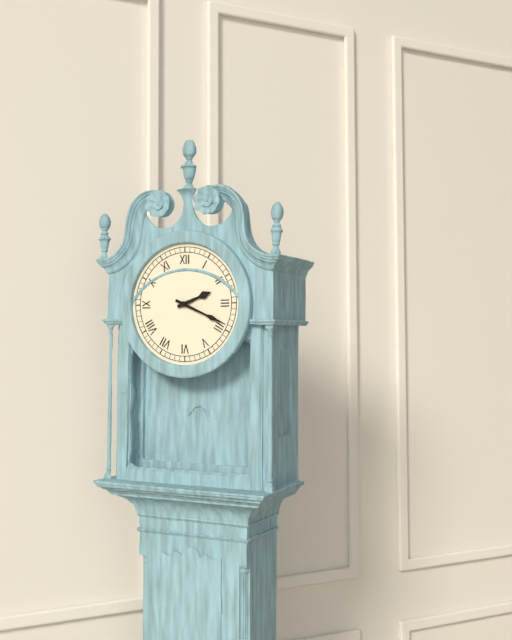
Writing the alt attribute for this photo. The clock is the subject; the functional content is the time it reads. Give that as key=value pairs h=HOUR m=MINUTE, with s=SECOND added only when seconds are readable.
h=2 m=19
